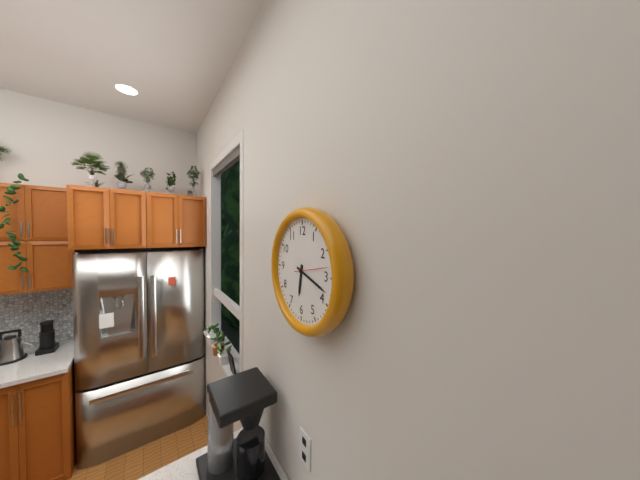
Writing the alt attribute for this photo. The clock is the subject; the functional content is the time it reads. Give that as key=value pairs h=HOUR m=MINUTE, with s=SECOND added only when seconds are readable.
h=6 m=18
